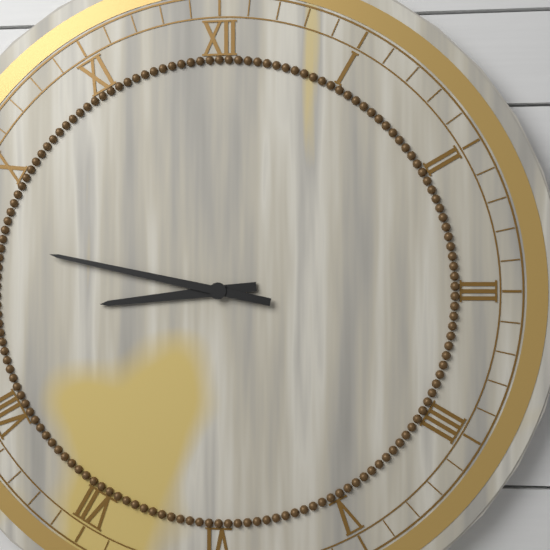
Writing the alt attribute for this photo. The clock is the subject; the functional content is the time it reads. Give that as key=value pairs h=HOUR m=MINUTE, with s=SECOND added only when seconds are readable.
h=8 m=47
